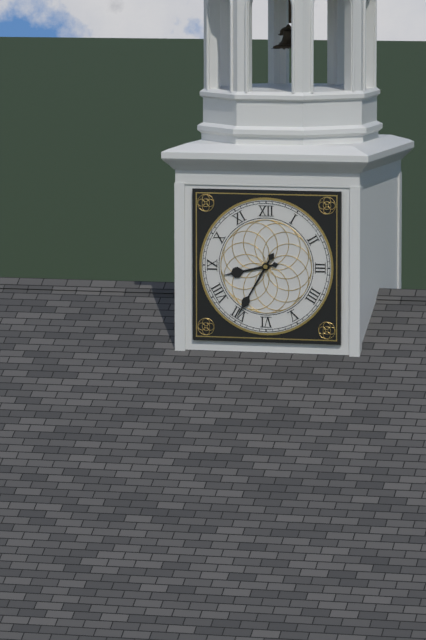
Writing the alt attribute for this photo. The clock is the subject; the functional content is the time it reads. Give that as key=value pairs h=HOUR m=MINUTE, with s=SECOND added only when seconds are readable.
h=8 m=35
